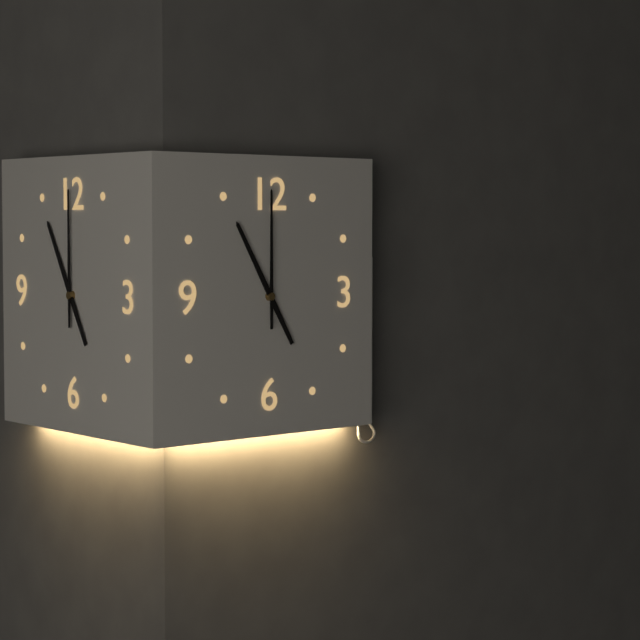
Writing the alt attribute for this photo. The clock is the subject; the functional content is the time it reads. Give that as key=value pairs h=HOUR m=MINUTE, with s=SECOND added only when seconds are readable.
h=11 m=0
